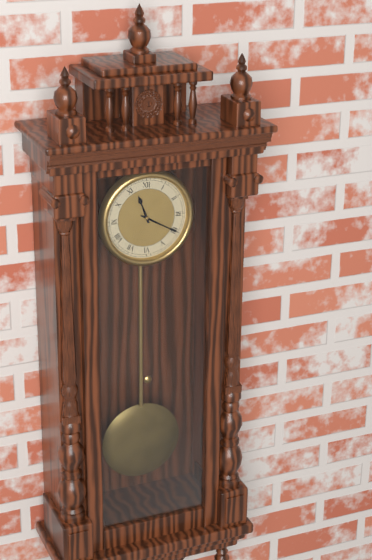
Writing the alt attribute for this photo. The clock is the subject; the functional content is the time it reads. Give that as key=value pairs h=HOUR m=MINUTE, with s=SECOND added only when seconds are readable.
h=11 m=20
